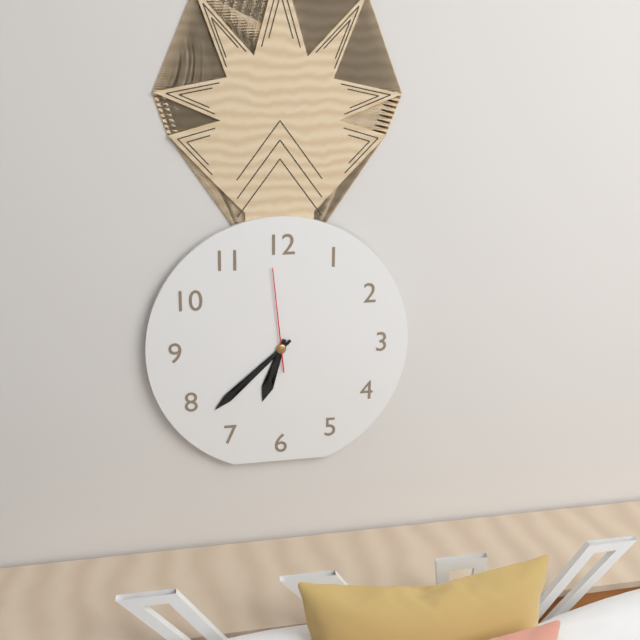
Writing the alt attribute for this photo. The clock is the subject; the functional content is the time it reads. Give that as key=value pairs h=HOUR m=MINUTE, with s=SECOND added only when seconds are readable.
h=6 m=38 s=59
